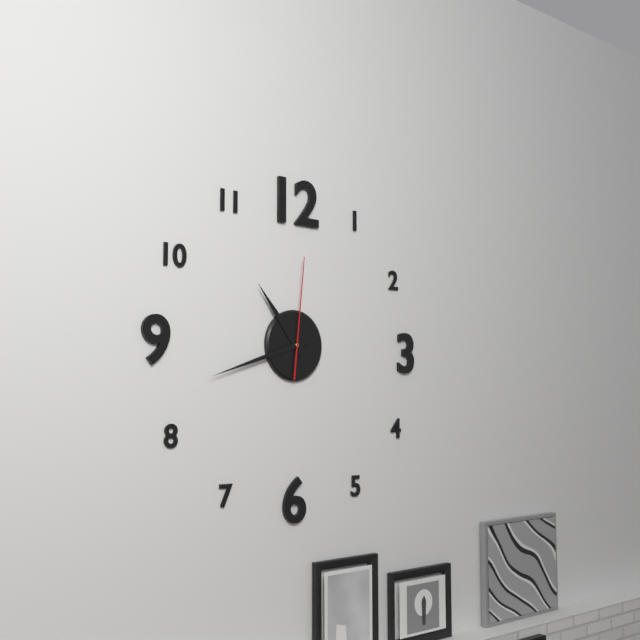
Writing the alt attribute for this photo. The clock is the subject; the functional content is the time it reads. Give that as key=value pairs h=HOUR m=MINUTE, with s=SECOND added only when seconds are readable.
h=10 m=42 s=1
